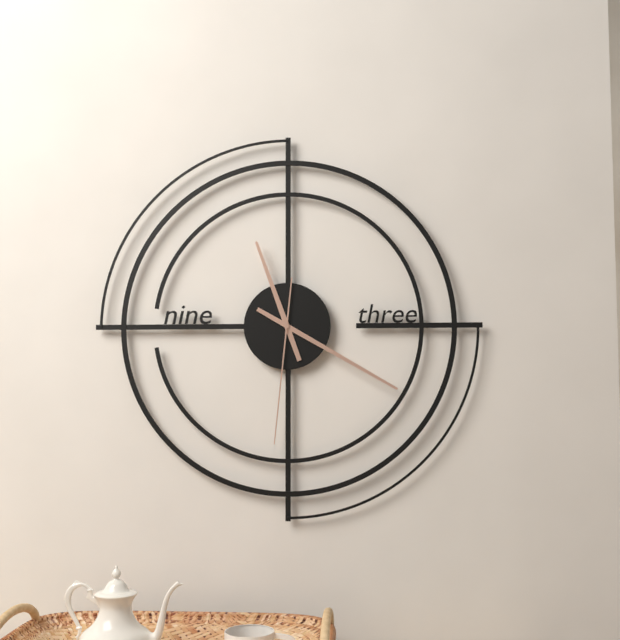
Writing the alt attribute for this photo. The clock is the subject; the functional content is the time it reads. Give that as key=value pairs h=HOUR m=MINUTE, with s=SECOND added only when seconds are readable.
h=11 m=20 s=31
